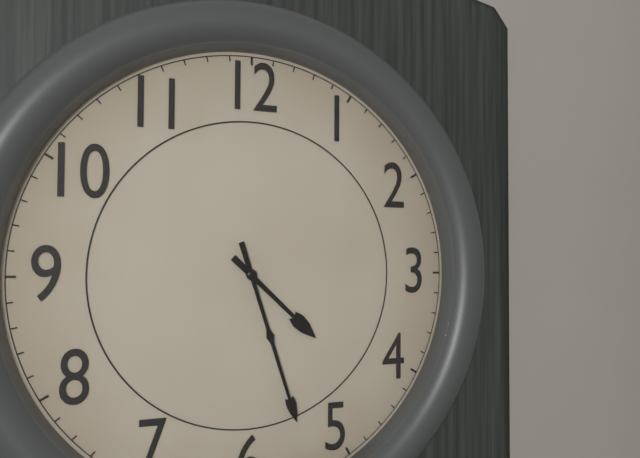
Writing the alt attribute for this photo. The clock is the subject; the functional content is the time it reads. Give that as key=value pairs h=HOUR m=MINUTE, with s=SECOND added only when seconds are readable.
h=4 m=27
